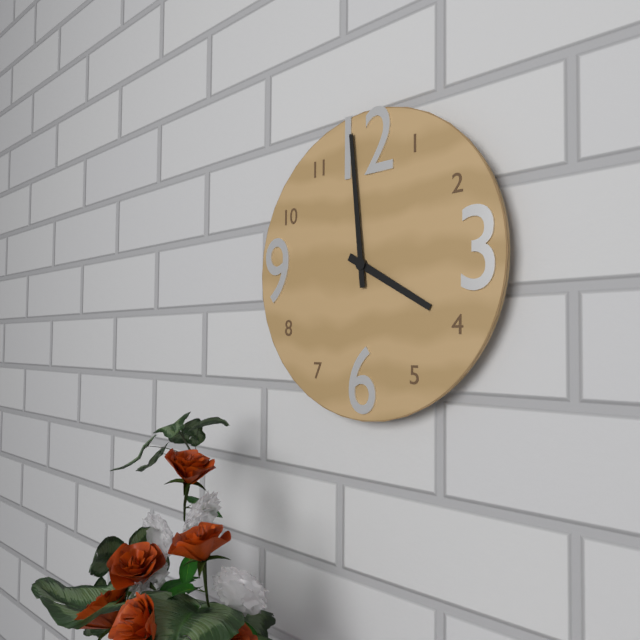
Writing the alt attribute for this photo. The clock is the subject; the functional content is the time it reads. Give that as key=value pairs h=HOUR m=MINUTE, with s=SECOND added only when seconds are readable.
h=3 m=59
